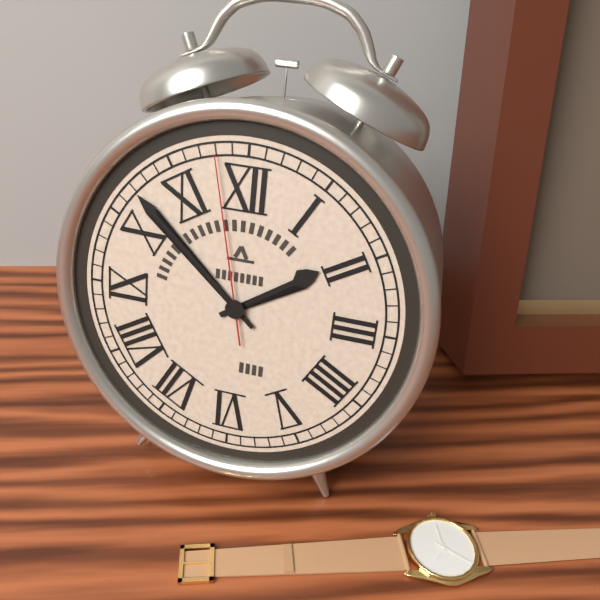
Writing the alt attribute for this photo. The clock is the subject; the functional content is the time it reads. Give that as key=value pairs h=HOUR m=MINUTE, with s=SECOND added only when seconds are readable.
h=1 m=52 s=58
